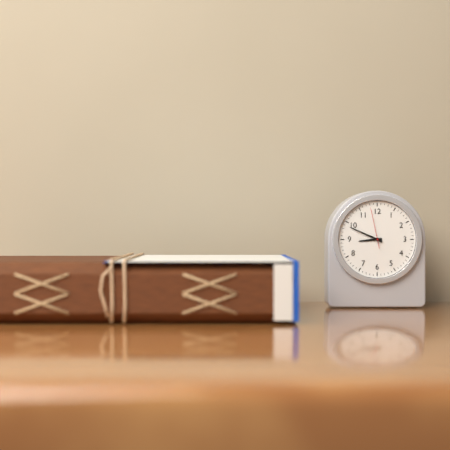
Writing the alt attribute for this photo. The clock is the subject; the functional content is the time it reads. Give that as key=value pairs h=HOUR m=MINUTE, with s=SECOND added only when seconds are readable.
h=8 m=49
